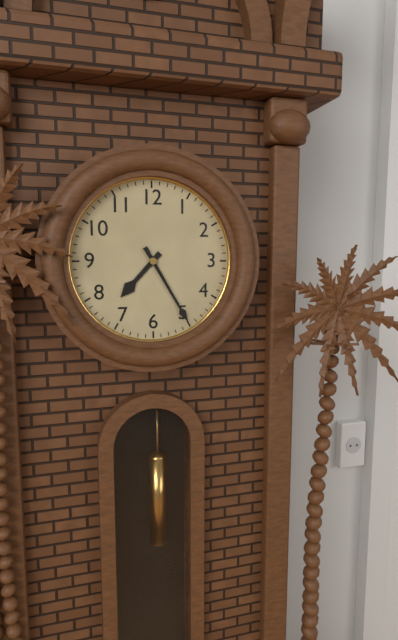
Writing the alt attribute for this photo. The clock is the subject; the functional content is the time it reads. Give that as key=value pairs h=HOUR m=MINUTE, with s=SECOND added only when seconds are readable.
h=7 m=25
